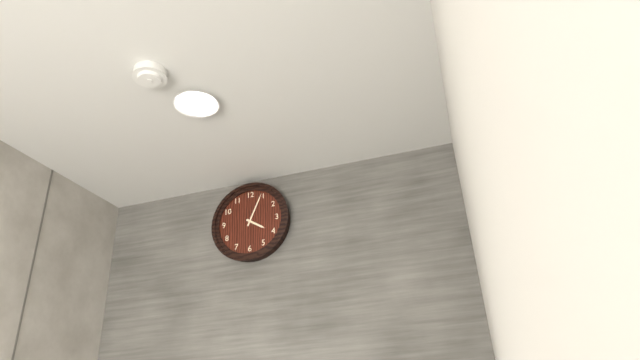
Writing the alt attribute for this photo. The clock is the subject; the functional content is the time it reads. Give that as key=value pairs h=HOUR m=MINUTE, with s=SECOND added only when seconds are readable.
h=4 m=4
